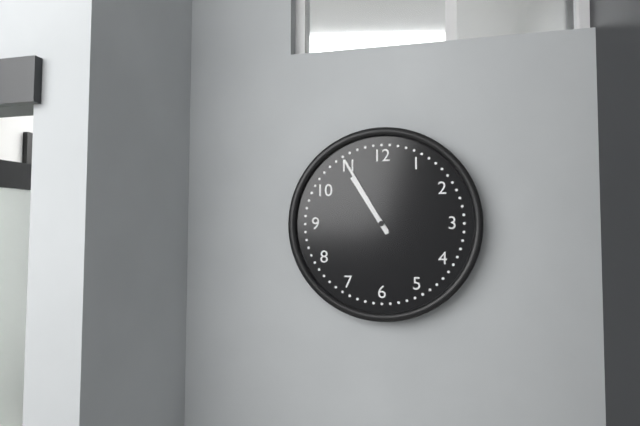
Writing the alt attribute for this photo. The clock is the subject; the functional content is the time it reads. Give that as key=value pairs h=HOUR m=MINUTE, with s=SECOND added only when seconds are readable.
h=10 m=55
